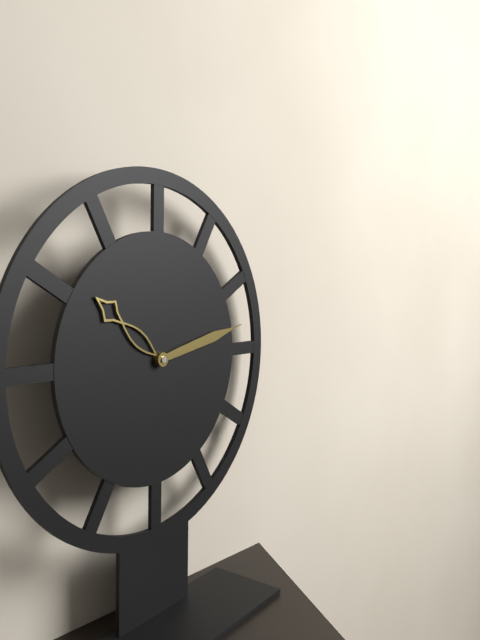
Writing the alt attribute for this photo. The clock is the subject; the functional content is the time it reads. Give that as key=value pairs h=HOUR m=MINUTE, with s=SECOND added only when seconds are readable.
h=10 m=13
